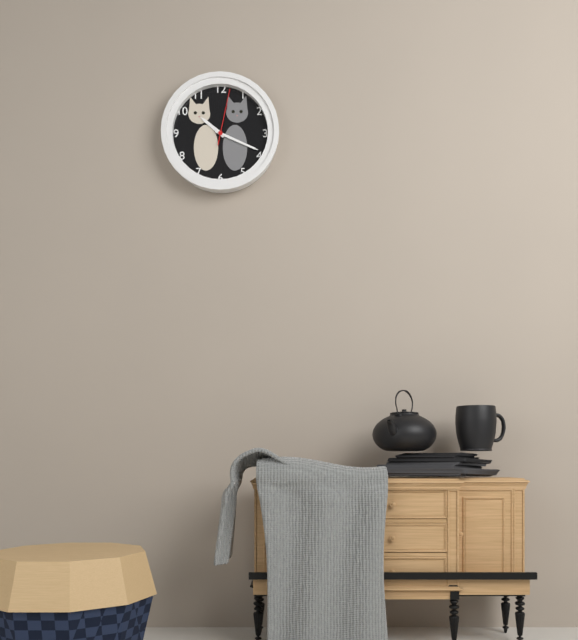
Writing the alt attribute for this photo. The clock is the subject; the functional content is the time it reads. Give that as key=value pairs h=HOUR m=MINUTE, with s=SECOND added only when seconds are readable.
h=10 m=19 s=2
